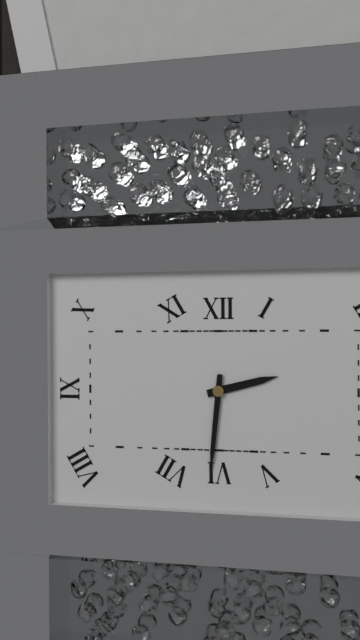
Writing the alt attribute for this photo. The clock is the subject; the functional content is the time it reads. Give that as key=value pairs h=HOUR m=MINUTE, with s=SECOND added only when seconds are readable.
h=2 m=31
